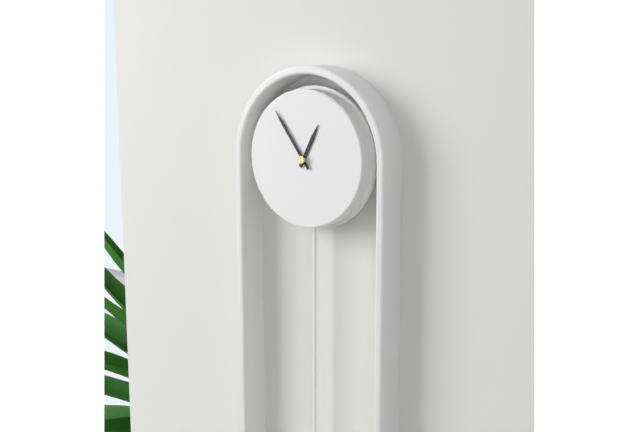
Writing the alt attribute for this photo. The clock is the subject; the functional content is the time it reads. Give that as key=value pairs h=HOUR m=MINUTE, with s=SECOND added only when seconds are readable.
h=12 m=54
